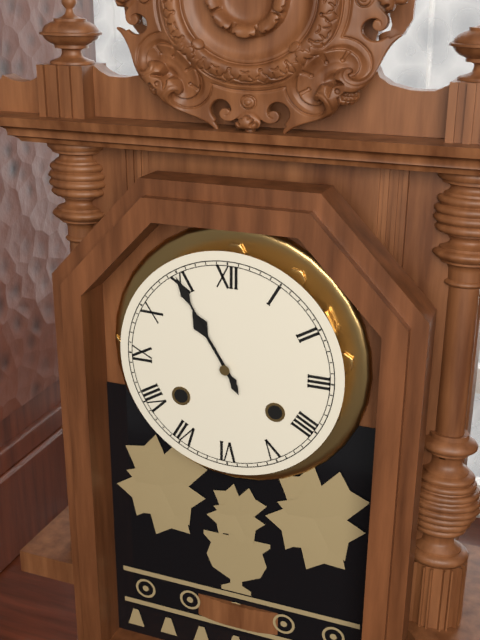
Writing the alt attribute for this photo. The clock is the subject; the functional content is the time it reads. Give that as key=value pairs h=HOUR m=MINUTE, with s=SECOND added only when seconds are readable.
h=10 m=55
